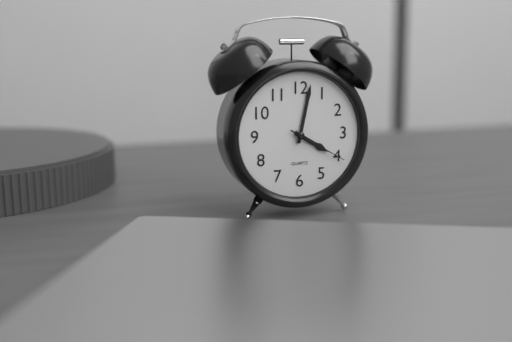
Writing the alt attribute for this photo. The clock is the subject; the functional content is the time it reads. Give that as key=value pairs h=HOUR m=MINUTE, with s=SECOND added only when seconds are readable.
h=4 m=2 s=20
